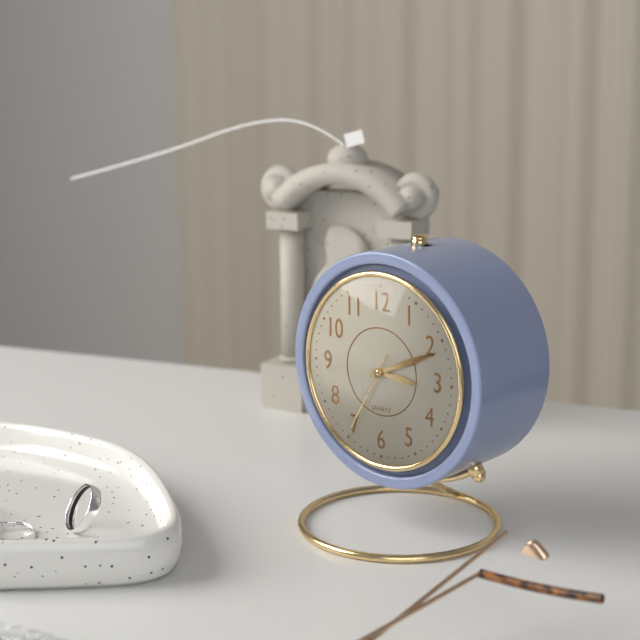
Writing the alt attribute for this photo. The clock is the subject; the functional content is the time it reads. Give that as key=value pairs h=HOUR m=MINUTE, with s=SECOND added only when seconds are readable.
h=3 m=11 s=35
